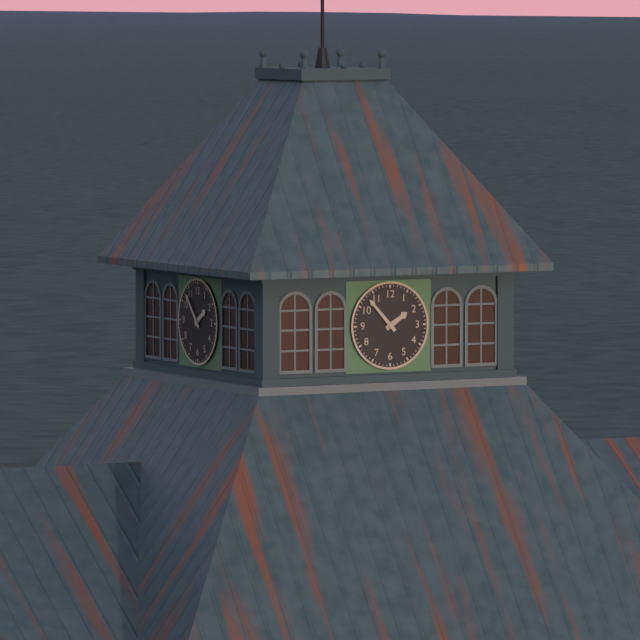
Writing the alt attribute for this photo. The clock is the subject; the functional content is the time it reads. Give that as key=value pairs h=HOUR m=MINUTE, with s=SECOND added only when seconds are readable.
h=1 m=53
